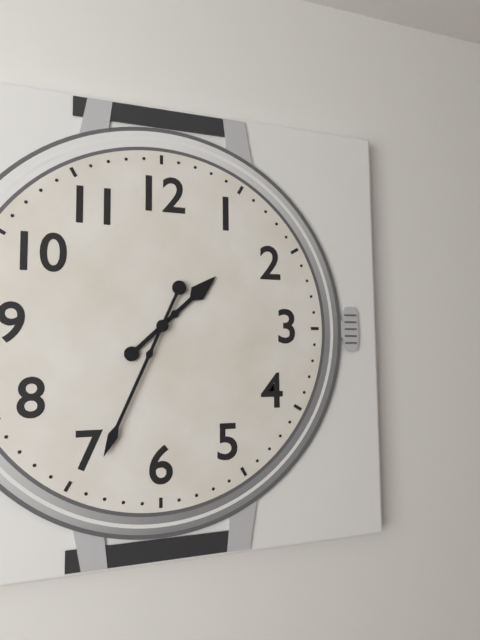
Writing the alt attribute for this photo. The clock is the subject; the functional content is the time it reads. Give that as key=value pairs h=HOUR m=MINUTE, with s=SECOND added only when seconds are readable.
h=1 m=34
